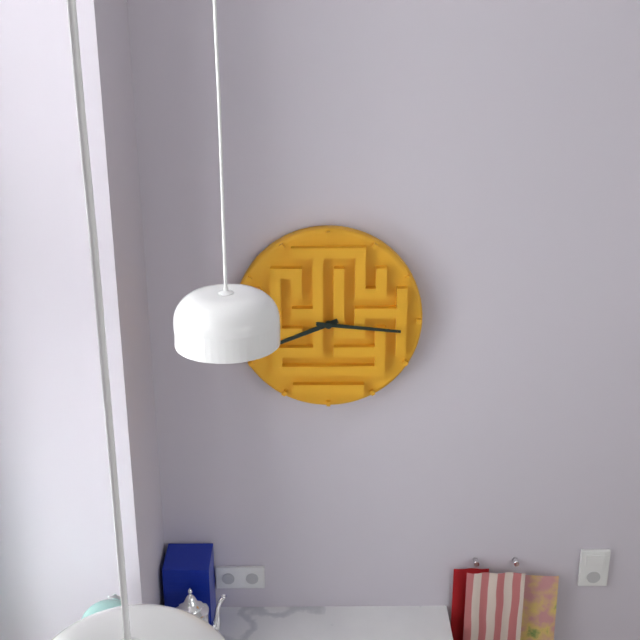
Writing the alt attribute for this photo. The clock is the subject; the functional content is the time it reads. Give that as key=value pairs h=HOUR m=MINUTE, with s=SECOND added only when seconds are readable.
h=8 m=16
